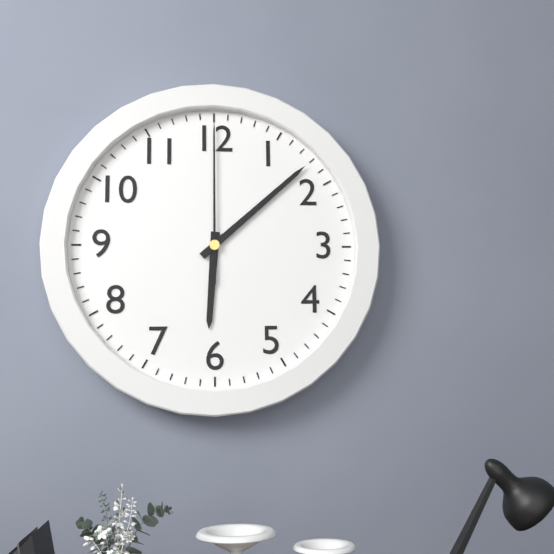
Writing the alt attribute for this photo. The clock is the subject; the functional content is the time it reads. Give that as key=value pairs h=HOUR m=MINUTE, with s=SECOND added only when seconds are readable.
h=6 m=8 s=0
